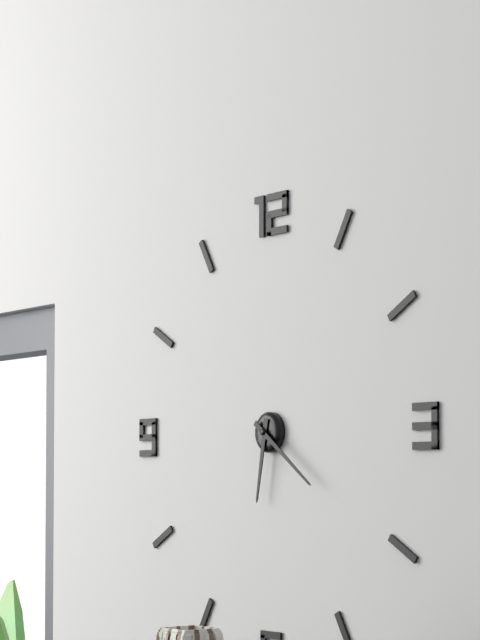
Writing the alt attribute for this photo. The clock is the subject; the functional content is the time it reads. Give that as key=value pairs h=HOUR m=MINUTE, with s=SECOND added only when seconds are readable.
h=6 m=21
